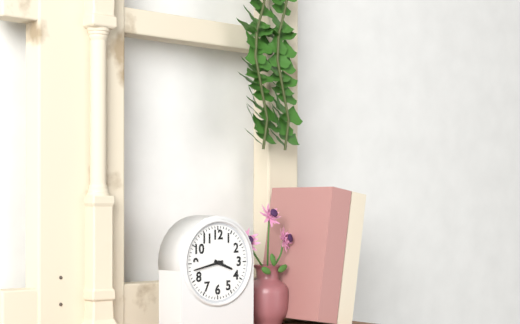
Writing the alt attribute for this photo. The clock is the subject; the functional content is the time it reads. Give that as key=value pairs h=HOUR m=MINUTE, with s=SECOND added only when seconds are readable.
h=3 m=43
